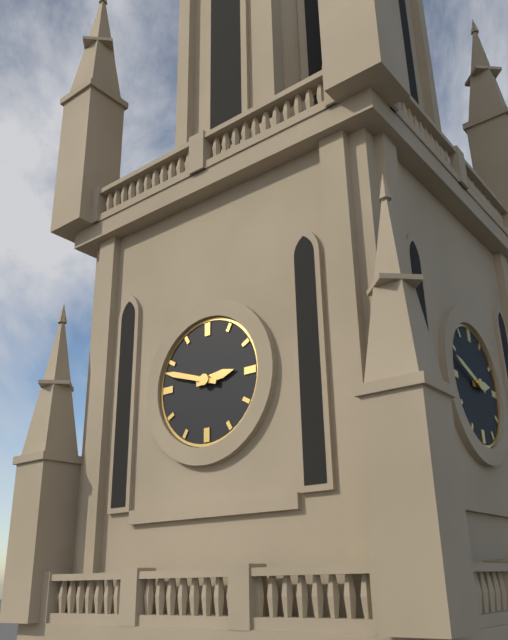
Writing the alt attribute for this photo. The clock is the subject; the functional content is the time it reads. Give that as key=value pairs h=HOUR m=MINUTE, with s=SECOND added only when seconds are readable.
h=2 m=48
